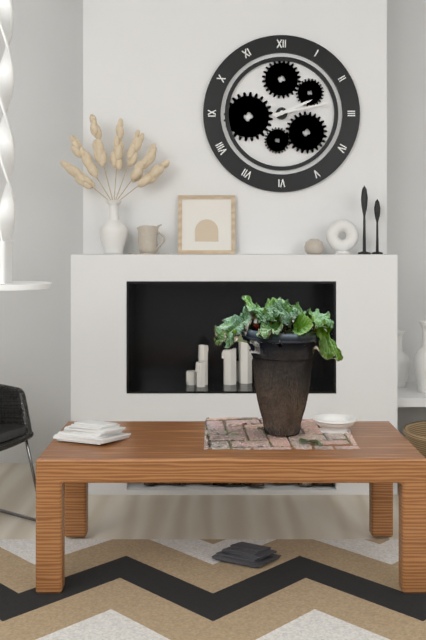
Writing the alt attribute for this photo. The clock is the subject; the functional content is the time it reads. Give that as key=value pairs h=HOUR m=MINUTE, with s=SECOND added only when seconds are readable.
h=2 m=13
